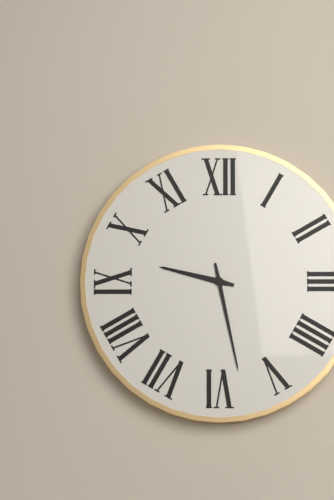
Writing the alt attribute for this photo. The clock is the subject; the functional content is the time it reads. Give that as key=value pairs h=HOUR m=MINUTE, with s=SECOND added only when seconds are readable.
h=9 m=28
